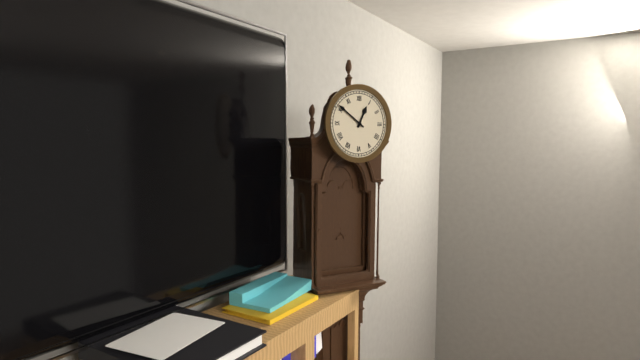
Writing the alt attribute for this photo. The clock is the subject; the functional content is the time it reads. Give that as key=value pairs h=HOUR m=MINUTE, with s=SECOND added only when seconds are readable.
h=12 m=51
